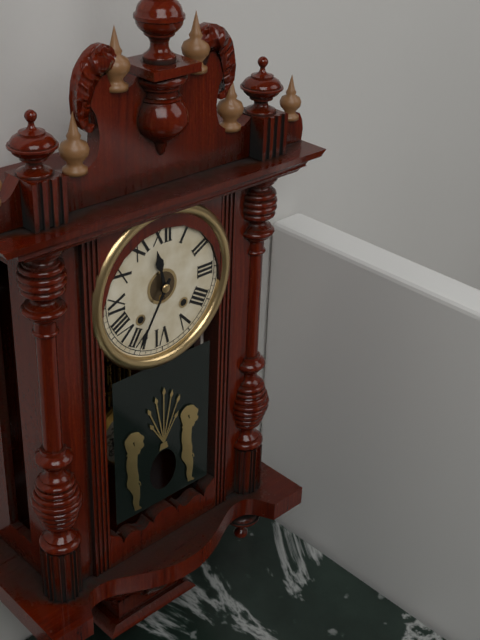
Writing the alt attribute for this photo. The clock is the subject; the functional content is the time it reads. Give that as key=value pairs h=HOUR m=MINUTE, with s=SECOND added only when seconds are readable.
h=11 m=35
